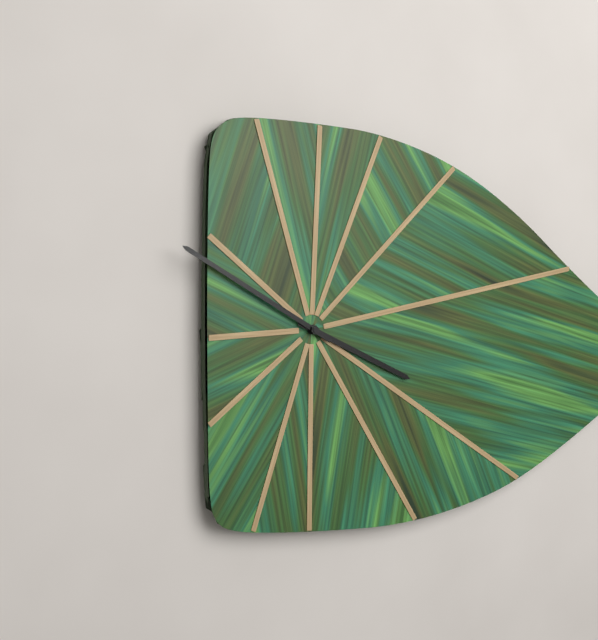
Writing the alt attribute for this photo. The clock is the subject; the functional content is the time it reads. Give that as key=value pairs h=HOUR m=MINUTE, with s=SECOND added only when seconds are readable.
h=3 m=50
